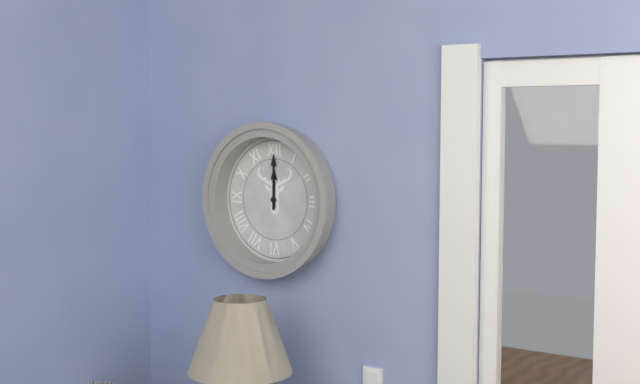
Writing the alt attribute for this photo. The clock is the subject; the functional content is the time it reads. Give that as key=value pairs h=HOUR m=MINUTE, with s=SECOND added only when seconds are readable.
h=12 m=0
